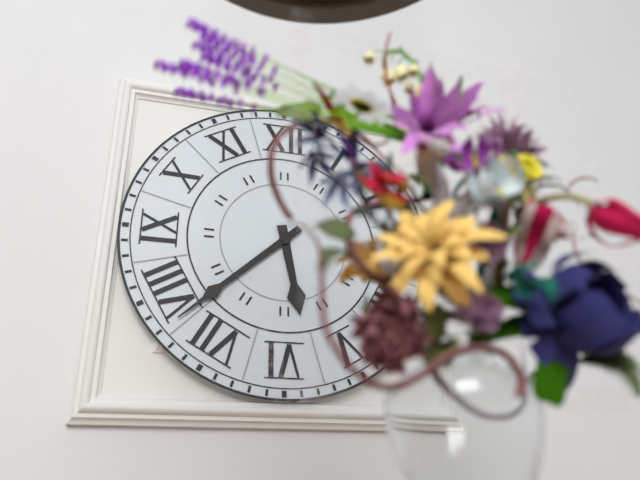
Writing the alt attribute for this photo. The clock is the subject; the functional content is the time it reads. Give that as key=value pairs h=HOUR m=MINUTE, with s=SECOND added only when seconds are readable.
h=5 m=38
